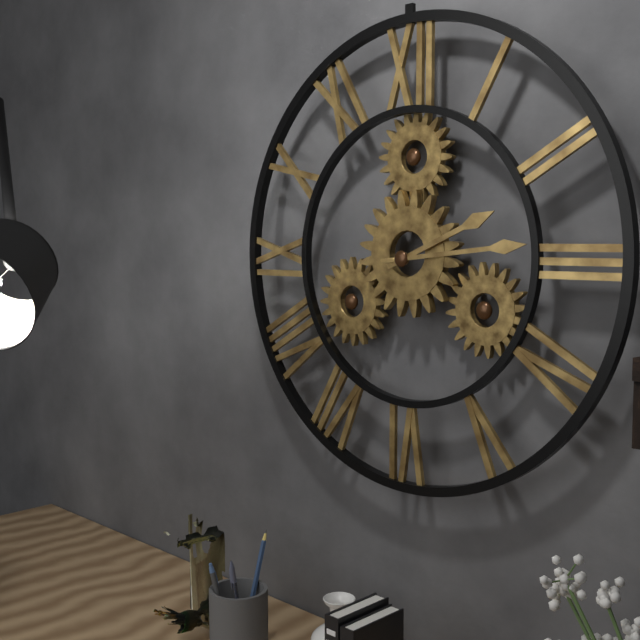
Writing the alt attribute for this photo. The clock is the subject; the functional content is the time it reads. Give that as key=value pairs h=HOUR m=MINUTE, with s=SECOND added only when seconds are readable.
h=2 m=14
